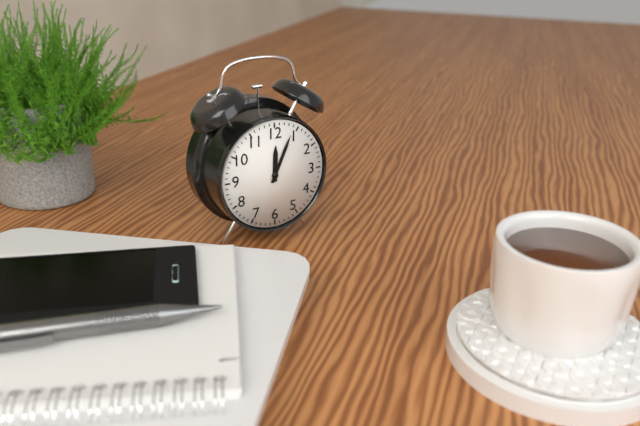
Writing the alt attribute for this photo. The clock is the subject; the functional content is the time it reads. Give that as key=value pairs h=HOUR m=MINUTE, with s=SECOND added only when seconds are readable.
h=12 m=4
